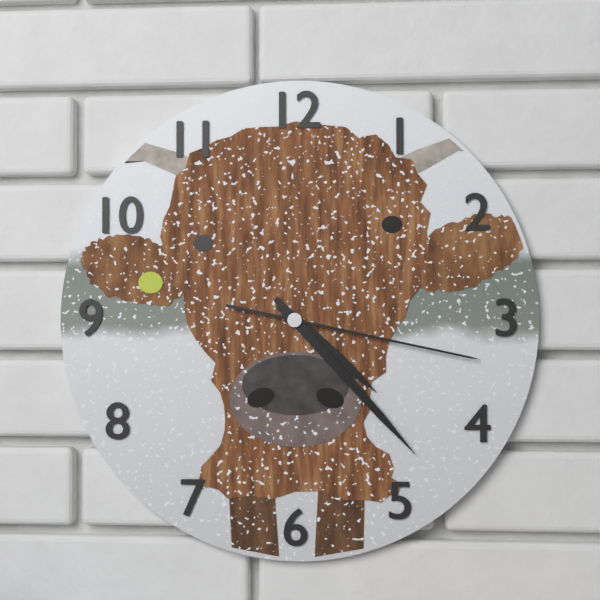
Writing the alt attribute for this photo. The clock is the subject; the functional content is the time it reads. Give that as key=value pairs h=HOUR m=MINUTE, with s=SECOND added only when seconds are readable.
h=4 m=23 s=17
